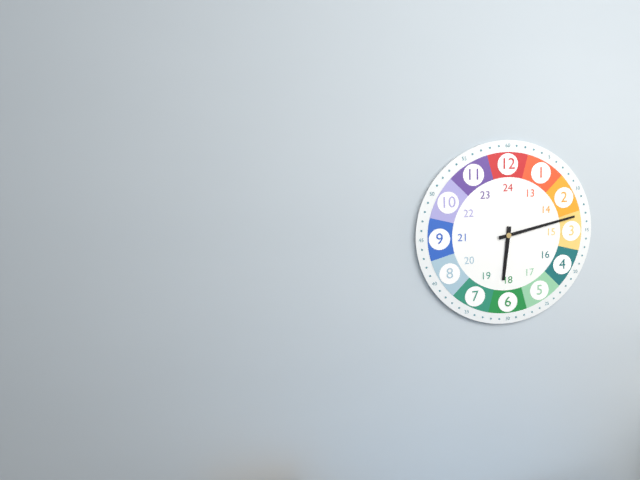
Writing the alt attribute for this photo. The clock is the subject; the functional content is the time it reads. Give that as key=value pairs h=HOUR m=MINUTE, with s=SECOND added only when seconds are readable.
h=6 m=13
